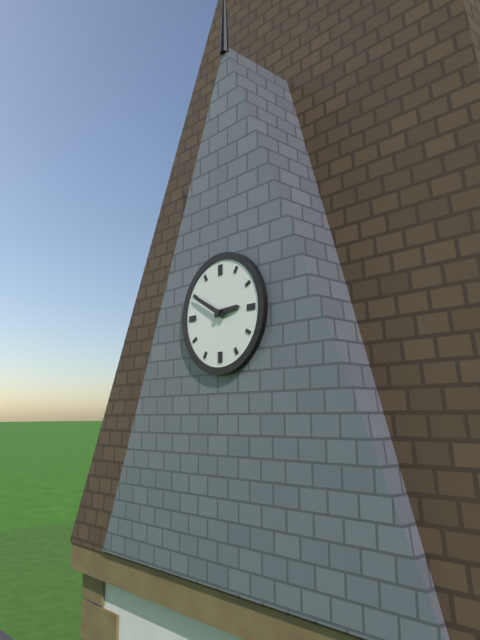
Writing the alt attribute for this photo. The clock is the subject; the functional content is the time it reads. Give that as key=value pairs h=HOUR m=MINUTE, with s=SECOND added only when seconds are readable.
h=2 m=50
